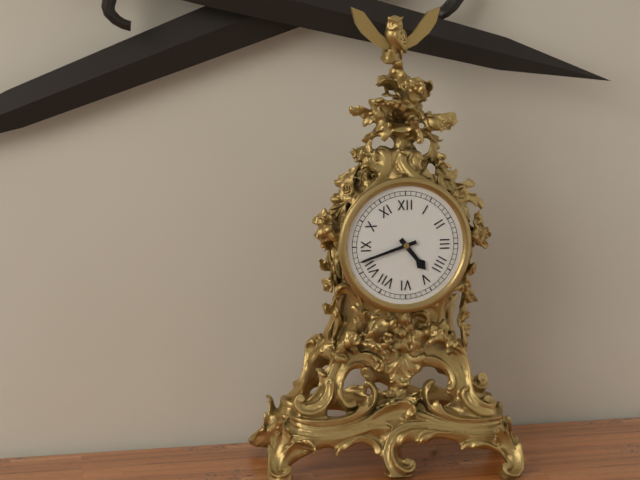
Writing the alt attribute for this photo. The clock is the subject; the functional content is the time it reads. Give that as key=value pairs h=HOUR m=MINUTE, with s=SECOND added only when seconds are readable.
h=4 m=42
